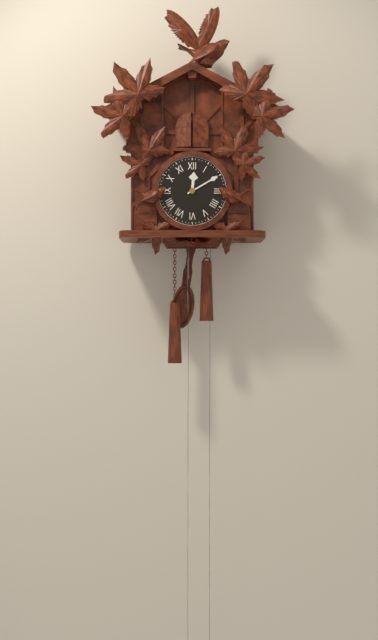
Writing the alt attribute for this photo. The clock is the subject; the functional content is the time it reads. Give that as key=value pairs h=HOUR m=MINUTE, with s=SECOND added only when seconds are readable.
h=12 m=10
